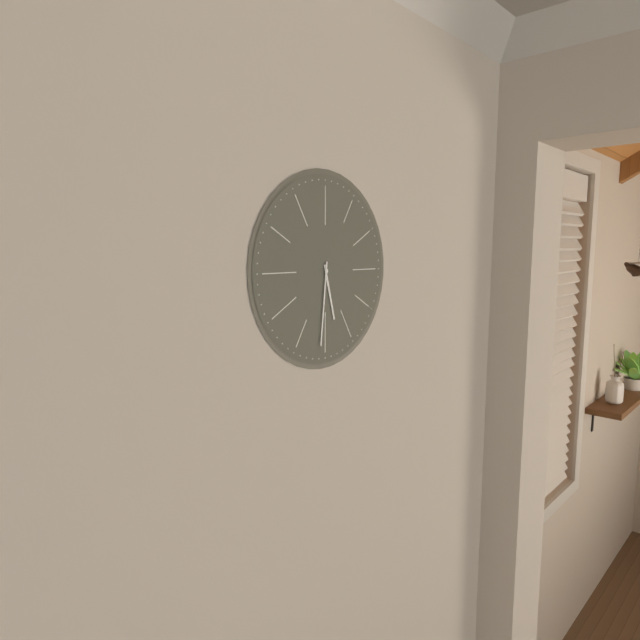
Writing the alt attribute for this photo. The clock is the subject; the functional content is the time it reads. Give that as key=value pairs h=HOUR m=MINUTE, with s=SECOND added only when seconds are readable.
h=5 m=31
